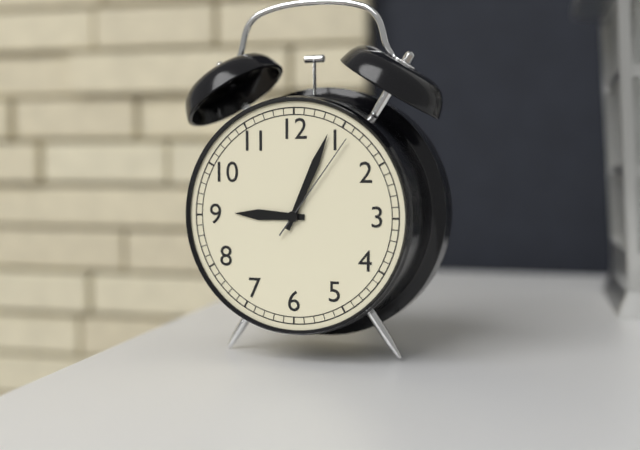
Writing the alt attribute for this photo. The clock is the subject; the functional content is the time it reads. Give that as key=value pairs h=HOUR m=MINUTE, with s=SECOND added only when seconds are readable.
h=9 m=4 s=6
